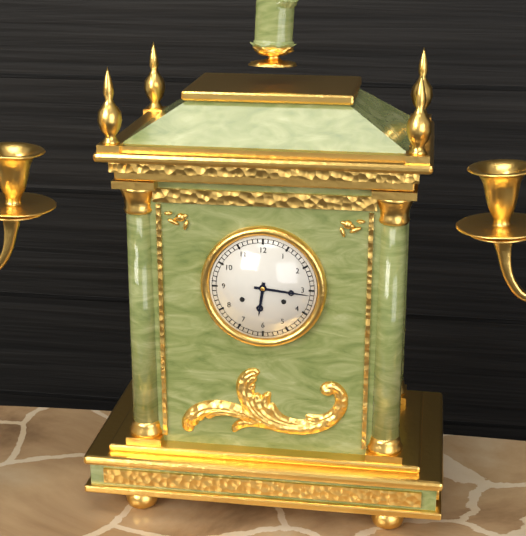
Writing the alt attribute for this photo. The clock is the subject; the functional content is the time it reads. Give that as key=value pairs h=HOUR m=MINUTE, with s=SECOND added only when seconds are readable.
h=6 m=16
